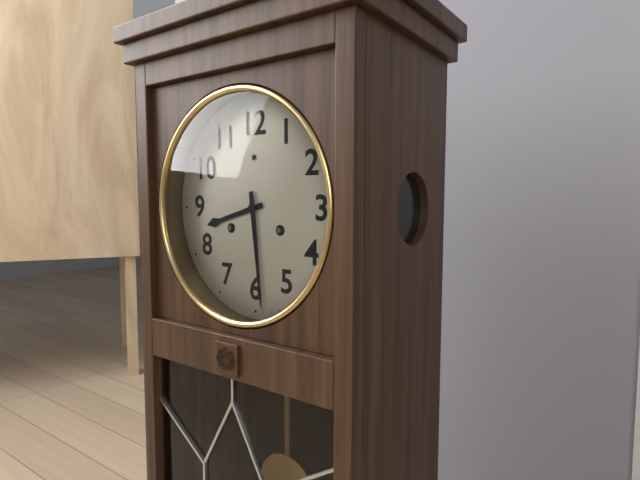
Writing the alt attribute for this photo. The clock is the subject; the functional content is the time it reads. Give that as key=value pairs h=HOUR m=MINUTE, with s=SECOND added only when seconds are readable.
h=8 m=29
